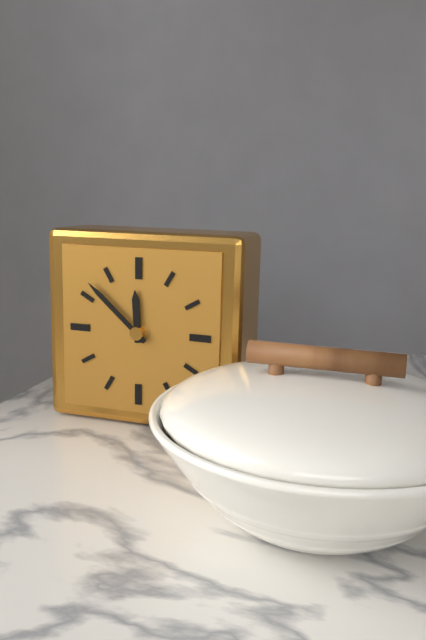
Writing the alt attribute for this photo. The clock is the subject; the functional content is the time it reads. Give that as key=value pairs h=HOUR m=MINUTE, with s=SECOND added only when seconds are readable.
h=11 m=52
